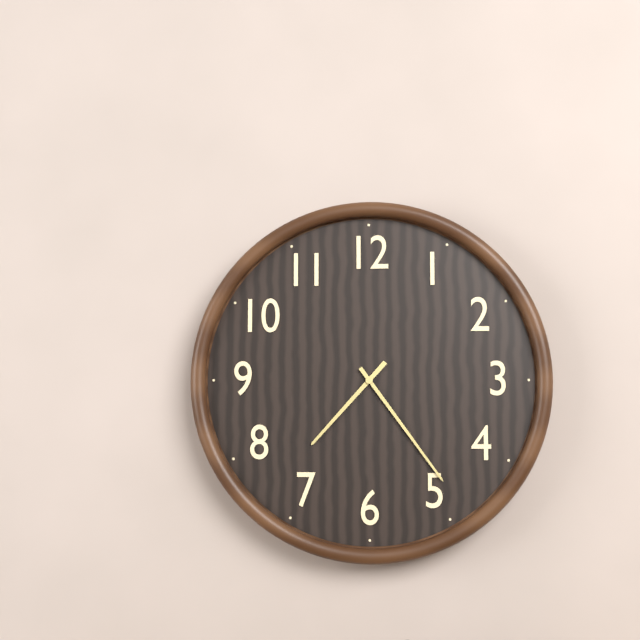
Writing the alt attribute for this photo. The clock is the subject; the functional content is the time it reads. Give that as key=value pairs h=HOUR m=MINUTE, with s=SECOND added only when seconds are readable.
h=7 m=24
